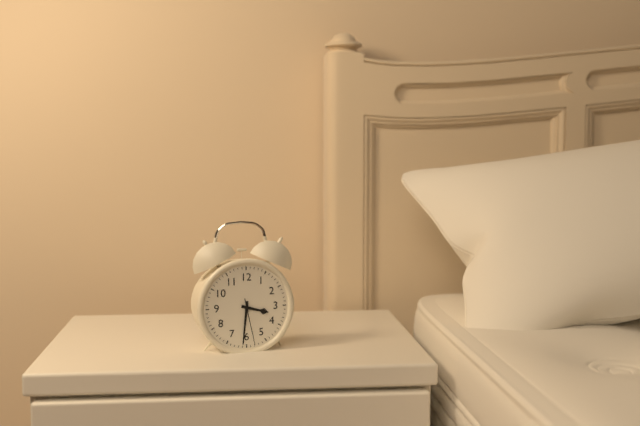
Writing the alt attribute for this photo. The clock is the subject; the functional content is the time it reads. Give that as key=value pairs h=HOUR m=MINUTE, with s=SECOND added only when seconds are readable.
h=3 m=31
